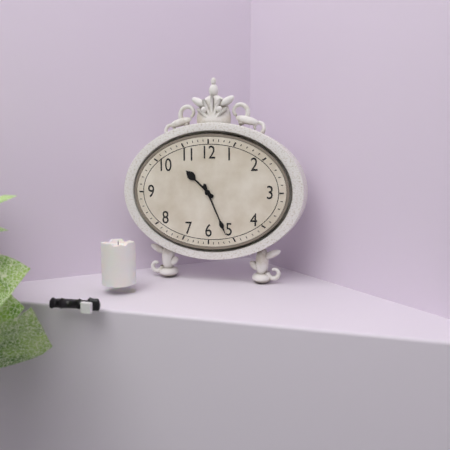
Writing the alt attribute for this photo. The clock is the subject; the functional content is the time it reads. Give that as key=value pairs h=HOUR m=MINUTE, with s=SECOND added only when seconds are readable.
h=10 m=26
